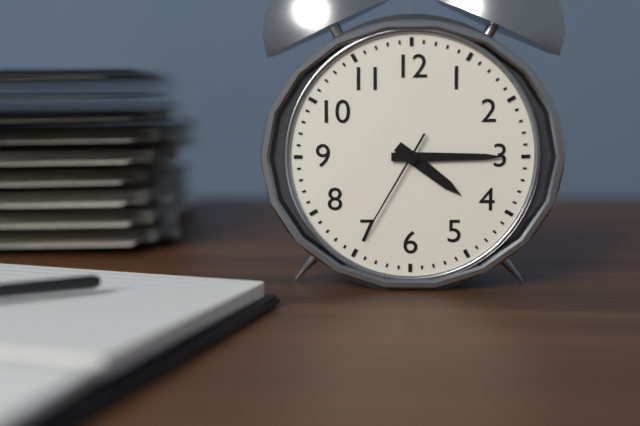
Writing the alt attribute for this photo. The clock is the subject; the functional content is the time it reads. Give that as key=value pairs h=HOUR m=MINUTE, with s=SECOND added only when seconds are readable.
h=4 m=15 s=35
